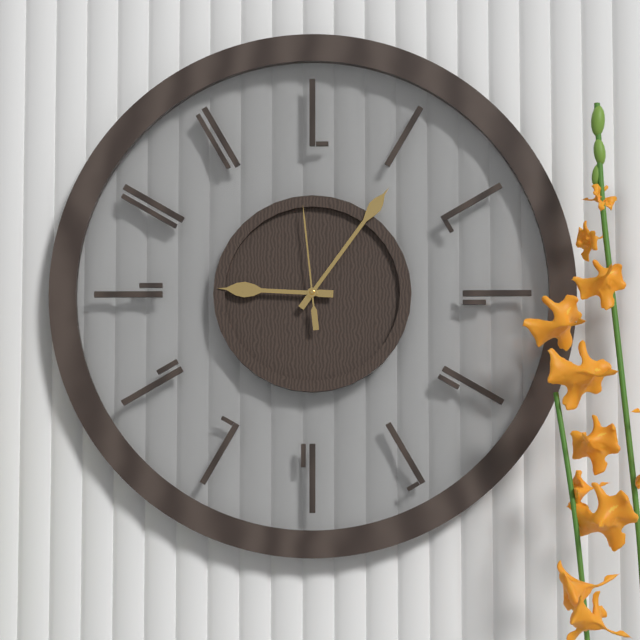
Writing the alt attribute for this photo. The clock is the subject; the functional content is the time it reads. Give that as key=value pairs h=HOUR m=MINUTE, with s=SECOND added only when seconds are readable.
h=9 m=6 s=59
